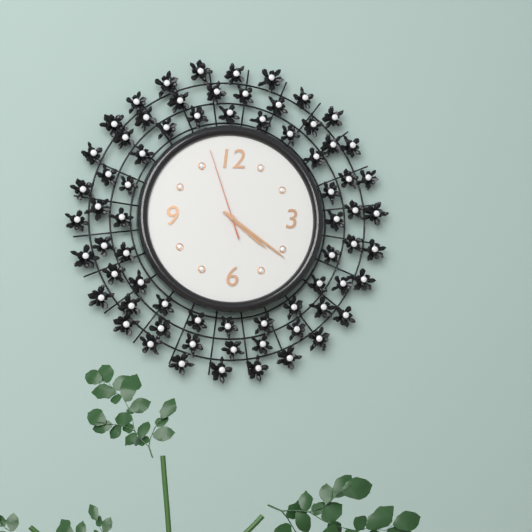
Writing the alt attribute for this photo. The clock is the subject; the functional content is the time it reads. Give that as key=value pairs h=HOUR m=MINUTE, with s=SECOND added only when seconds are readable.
h=4 m=21 s=57
